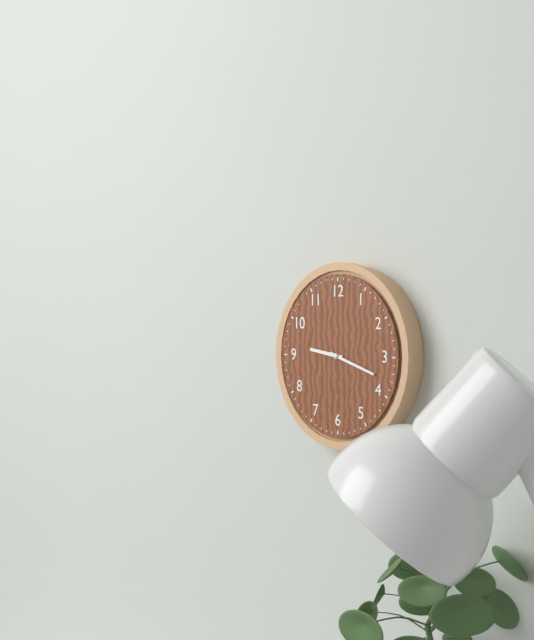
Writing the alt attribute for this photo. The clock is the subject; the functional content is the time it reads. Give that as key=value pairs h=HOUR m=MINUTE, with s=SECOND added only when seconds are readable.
h=9 m=18
